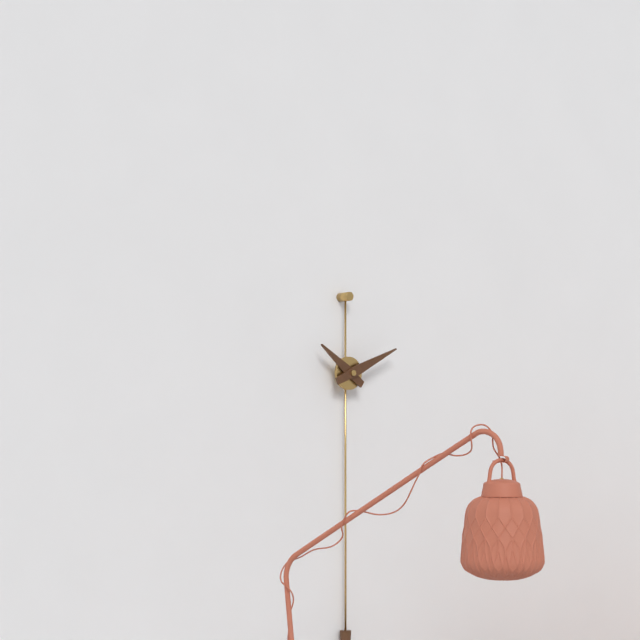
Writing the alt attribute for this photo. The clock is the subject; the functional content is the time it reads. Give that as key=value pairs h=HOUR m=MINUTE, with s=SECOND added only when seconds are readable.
h=10 m=11
